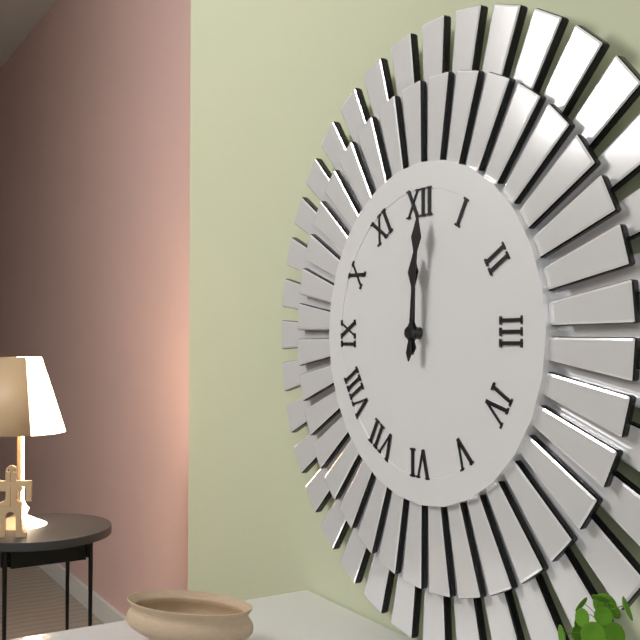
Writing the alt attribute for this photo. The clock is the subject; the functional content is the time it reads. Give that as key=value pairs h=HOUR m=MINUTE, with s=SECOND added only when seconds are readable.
h=12 m=1
